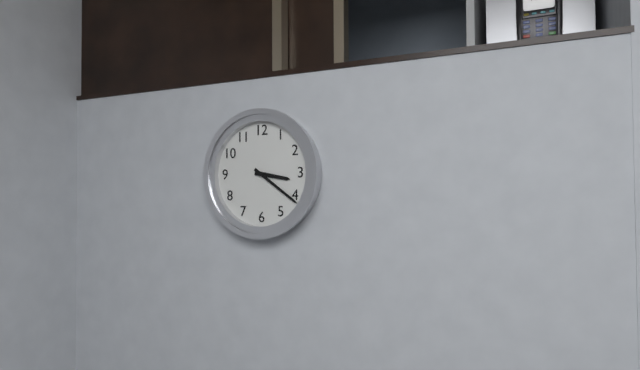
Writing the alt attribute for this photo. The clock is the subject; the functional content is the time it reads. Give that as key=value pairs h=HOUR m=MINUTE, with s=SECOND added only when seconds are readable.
h=3 m=21
